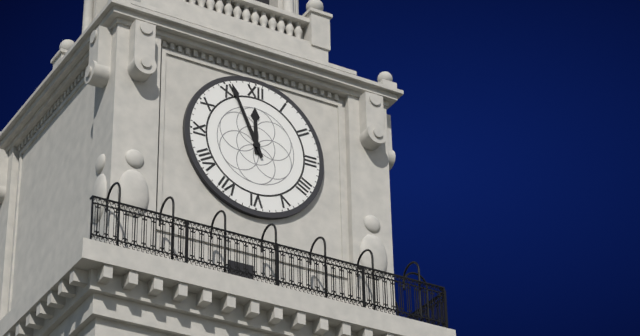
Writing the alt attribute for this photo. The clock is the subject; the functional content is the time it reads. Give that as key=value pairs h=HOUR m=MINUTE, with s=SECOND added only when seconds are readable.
h=11 m=56
